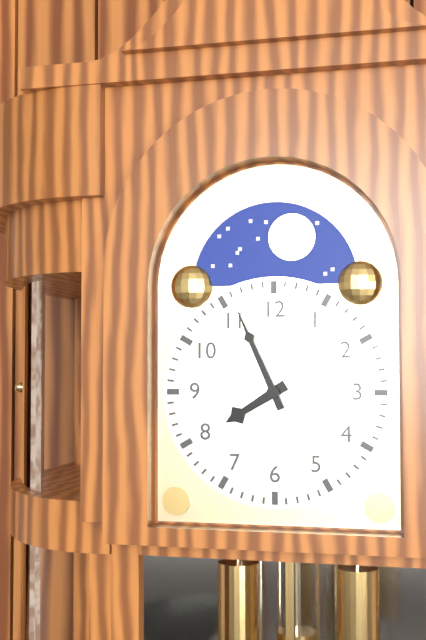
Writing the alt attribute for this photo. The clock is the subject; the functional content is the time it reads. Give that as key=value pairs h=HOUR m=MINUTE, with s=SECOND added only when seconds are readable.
h=7 m=56
